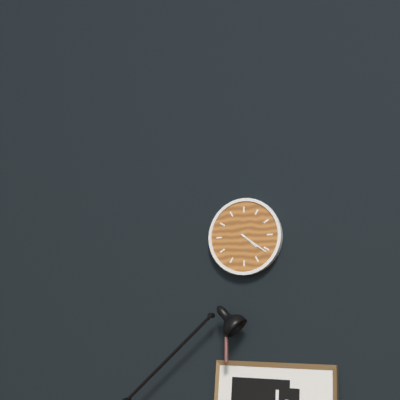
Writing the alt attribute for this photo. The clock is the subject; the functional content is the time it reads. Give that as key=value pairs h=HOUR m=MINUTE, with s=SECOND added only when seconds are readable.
h=4 m=21
